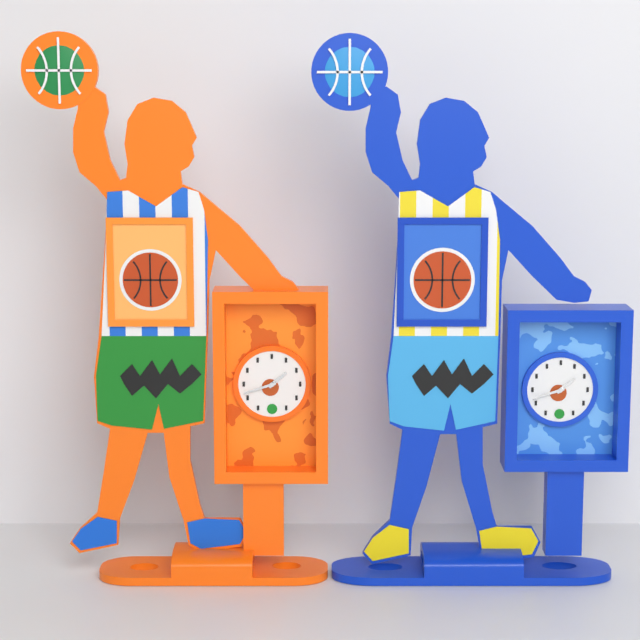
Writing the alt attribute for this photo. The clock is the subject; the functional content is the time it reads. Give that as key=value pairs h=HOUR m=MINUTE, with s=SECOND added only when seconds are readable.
h=1 m=42
